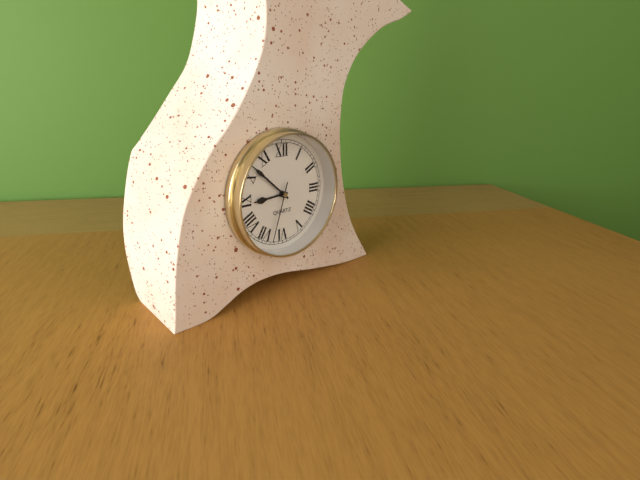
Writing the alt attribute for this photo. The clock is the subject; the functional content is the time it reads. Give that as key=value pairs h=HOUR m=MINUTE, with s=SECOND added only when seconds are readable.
h=8 m=52 s=33
